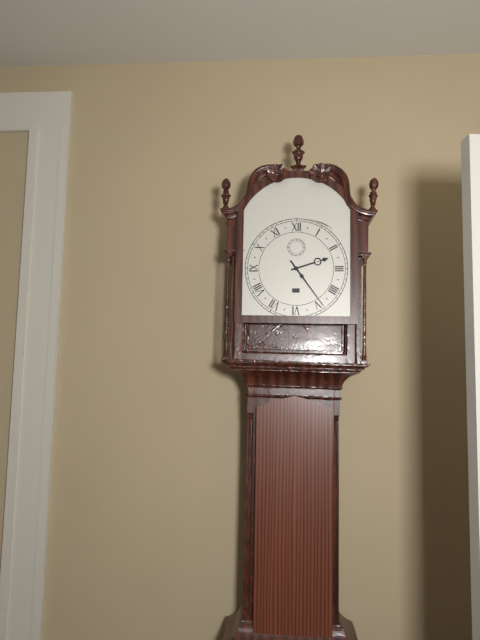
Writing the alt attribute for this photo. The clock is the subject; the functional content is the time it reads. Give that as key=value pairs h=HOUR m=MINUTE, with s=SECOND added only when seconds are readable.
h=2 m=24
